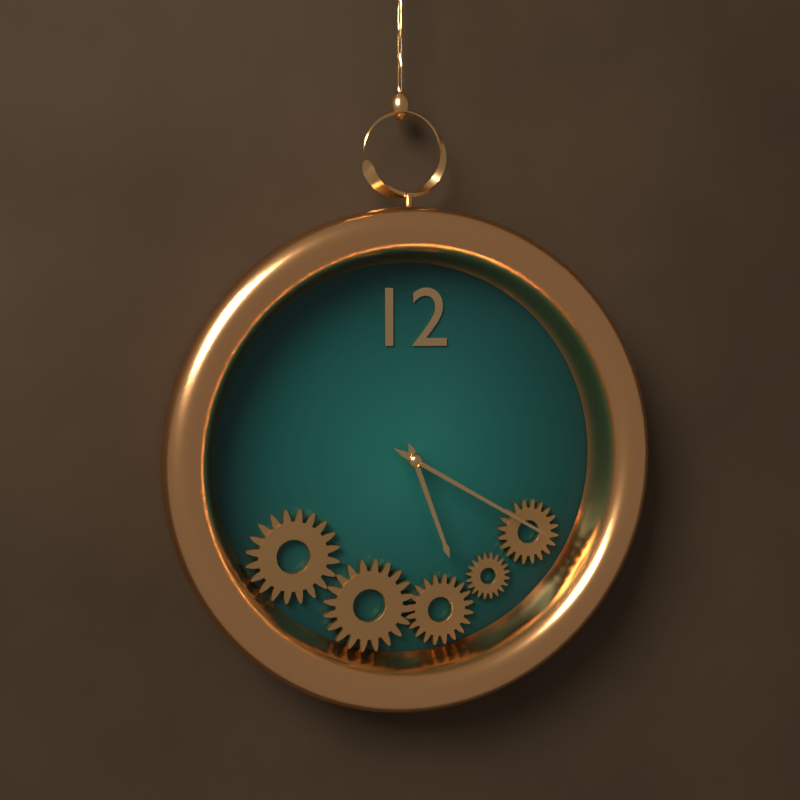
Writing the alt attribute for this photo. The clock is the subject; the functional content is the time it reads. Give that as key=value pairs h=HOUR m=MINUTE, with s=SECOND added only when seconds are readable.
h=5 m=20
